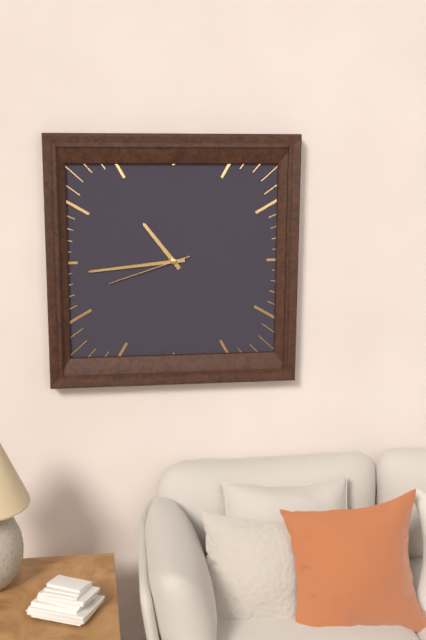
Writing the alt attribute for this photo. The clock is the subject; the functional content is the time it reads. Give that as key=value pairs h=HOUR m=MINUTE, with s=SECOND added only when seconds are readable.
h=10 m=44 s=42
